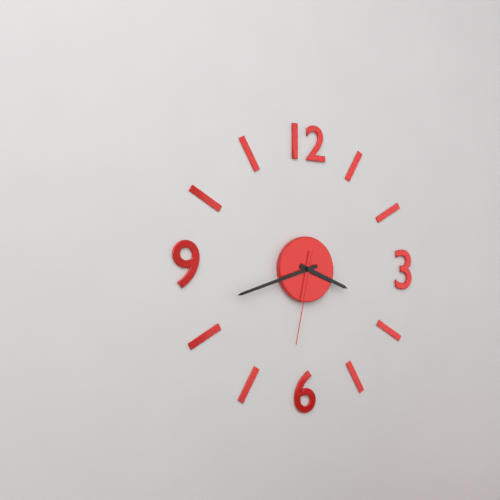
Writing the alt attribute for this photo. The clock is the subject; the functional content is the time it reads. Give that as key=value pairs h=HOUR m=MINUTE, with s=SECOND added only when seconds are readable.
h=3 m=42 s=32
